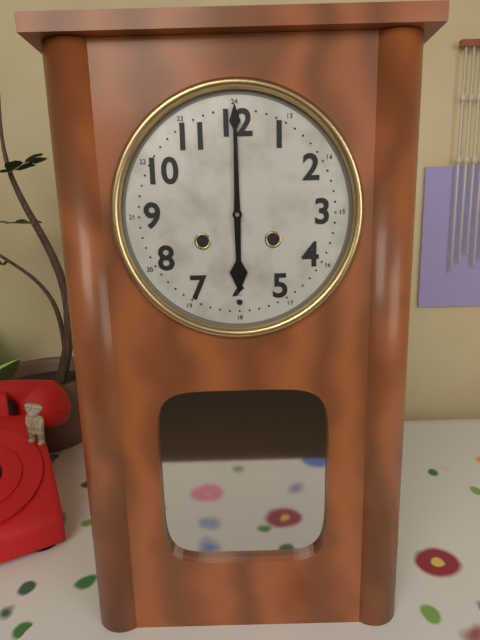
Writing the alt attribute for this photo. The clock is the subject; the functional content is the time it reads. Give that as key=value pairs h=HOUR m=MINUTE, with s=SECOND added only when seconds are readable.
h=6 m=0
